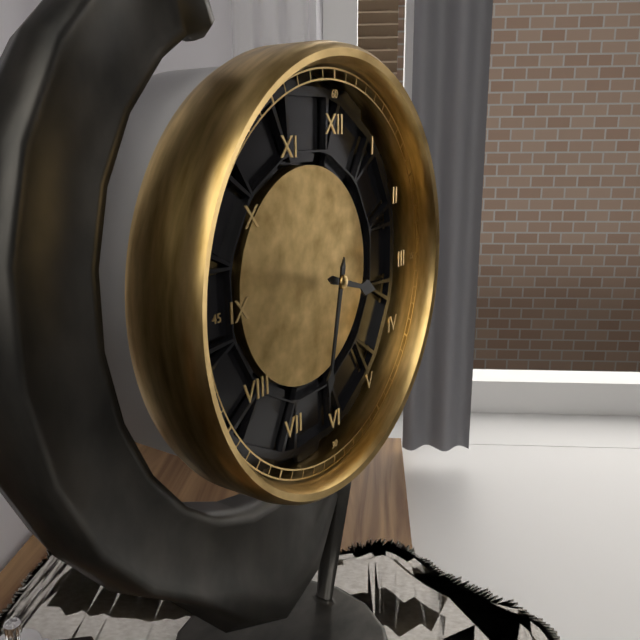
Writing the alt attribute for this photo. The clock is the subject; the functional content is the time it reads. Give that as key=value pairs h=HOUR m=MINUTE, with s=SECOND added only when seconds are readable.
h=3 m=32
